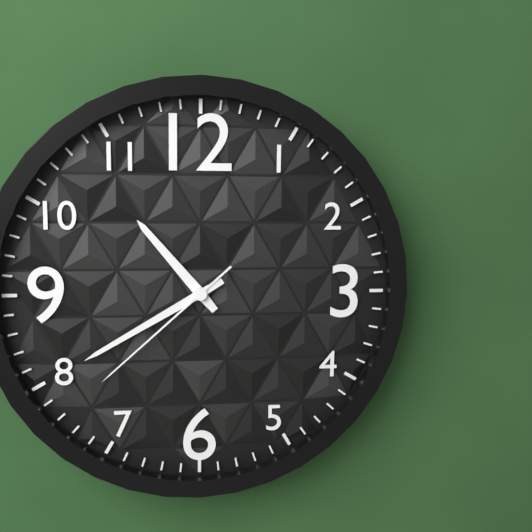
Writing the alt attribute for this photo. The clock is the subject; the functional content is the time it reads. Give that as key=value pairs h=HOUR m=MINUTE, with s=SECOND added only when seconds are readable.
h=10 m=40 s=38
